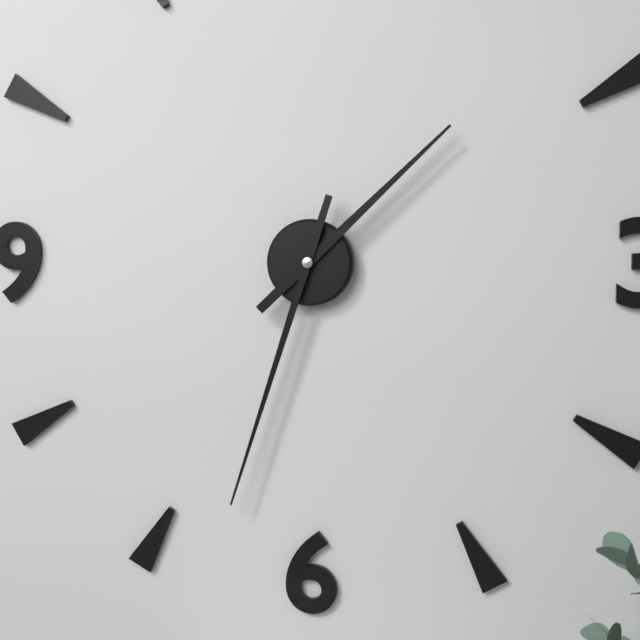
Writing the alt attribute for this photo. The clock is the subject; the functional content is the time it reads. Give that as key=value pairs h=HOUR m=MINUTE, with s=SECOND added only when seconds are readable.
h=1 m=33
